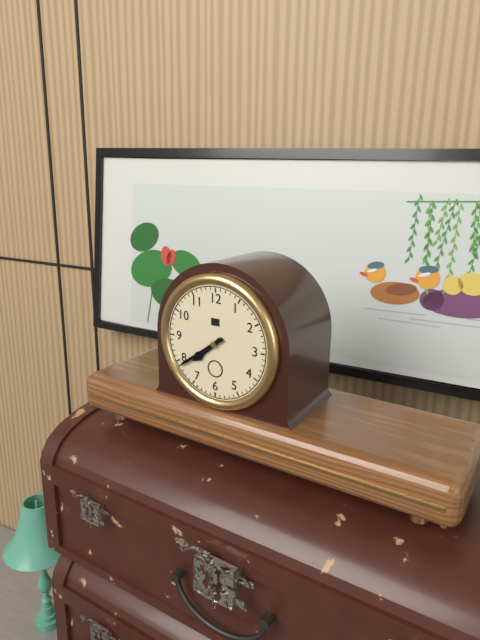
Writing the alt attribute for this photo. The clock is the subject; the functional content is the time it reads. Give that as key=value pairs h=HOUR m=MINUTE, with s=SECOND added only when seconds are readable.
h=7 m=39
